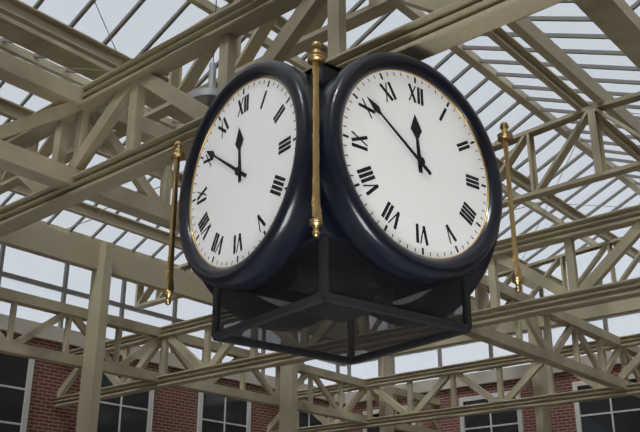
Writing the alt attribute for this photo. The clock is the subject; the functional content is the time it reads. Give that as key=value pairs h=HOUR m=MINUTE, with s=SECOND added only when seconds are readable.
h=11 m=51
